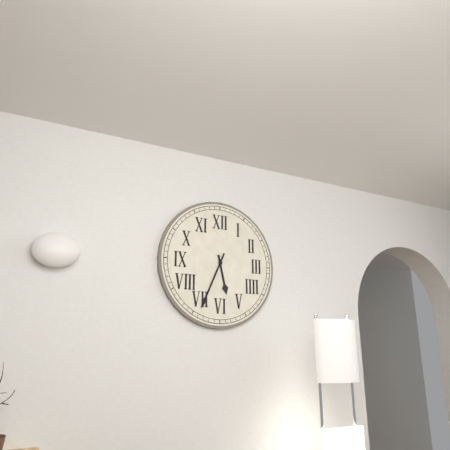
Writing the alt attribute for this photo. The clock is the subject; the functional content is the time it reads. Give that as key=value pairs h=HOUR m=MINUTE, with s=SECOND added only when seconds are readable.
h=5 m=34
